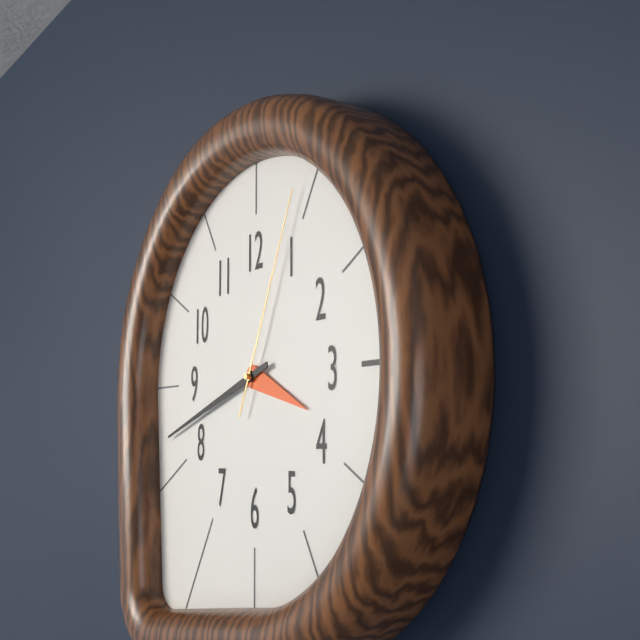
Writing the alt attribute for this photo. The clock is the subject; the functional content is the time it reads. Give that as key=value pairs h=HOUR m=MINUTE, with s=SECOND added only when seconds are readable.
h=3 m=42 s=4
